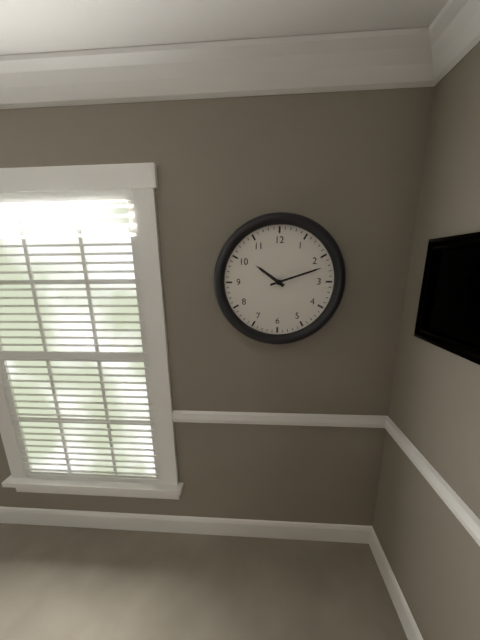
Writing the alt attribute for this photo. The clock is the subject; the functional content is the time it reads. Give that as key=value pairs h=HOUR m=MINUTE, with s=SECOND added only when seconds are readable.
h=10 m=12
